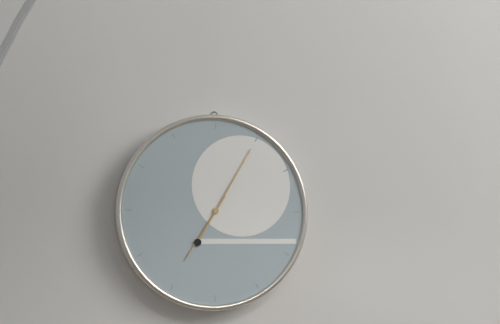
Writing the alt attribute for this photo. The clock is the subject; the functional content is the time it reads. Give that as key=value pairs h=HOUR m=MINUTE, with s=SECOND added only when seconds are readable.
h=7 m=5
